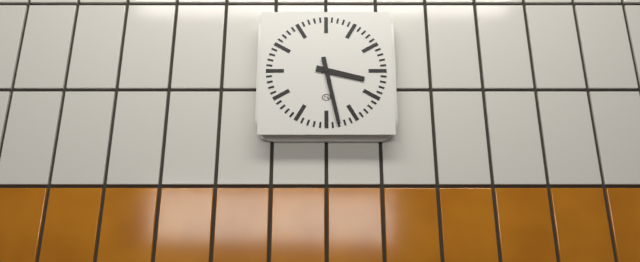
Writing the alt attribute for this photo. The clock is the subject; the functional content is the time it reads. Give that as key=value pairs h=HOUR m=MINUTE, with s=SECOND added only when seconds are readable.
h=3 m=28
